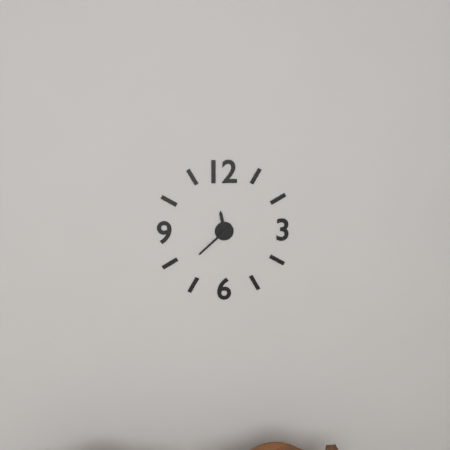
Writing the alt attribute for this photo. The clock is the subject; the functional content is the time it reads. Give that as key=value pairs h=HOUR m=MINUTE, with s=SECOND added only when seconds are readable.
h=11 m=38
